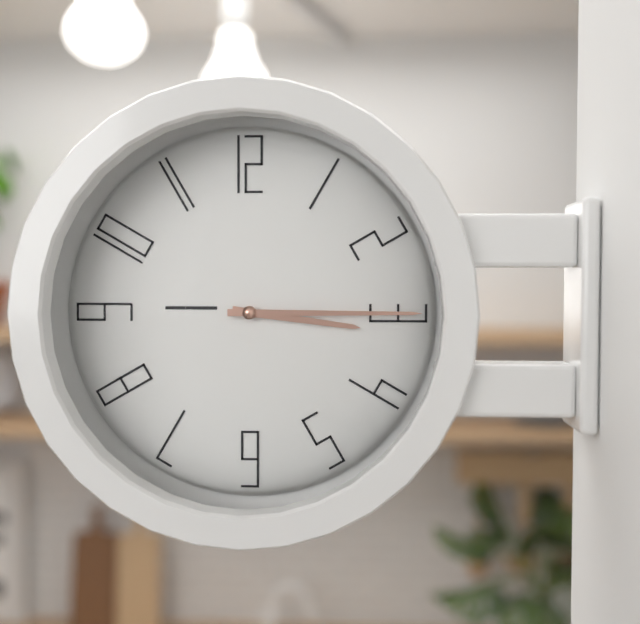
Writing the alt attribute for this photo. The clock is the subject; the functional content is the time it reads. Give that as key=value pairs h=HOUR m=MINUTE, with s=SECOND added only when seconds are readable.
h=3 m=15
